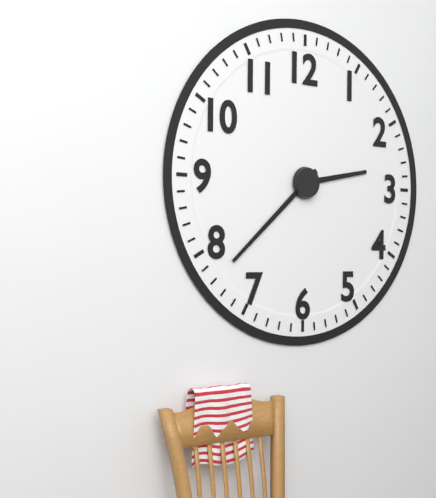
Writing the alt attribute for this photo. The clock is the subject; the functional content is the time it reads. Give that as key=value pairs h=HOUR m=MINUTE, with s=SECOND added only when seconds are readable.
h=2 m=38
